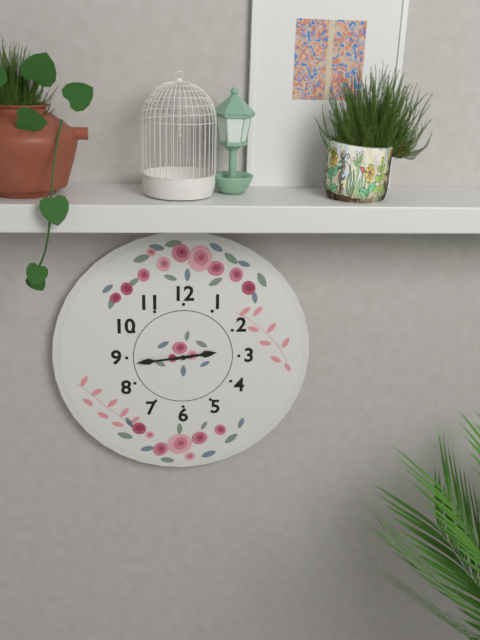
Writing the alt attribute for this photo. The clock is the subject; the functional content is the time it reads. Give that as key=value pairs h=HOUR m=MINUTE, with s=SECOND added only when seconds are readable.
h=2 m=44
